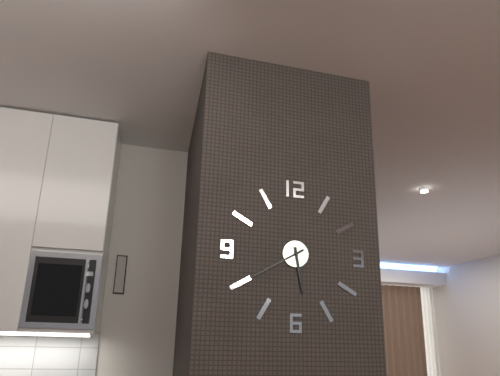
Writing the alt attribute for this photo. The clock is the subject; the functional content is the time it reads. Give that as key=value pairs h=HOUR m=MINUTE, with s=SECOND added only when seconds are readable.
h=5 m=40
